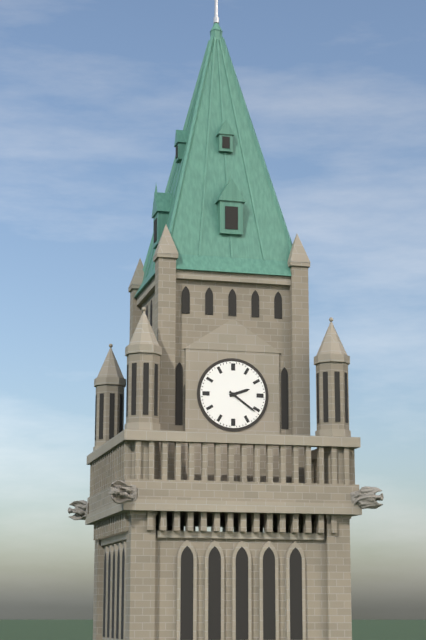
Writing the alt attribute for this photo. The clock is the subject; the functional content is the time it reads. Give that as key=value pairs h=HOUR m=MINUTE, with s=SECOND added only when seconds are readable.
h=2 m=21
